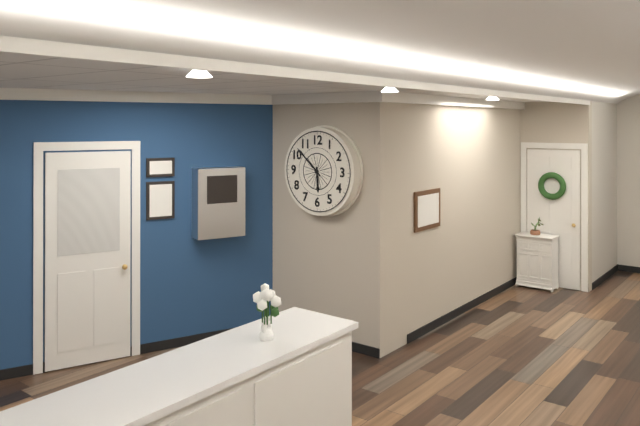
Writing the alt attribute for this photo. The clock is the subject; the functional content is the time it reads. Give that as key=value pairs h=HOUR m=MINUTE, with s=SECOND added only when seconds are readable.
h=5 m=52
